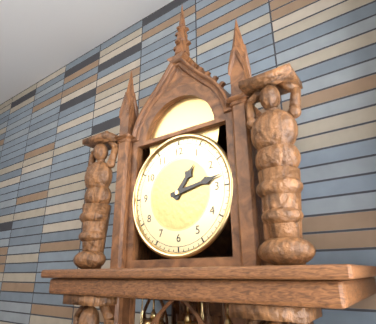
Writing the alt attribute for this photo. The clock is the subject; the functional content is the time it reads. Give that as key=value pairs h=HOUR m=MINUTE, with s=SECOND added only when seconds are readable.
h=1 m=13
